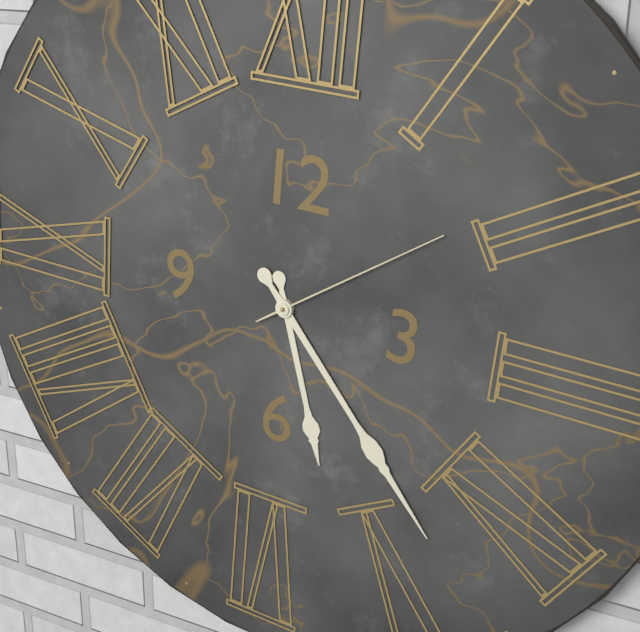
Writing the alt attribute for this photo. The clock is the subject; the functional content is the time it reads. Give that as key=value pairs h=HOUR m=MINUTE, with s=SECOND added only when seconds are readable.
h=5 m=23 s=9
